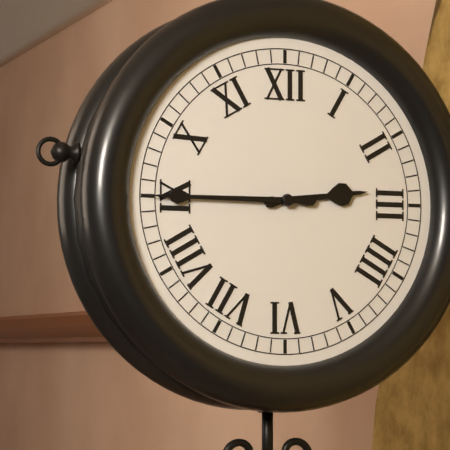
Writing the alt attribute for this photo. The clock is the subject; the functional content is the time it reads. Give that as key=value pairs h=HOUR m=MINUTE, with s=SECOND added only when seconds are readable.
h=2 m=45
